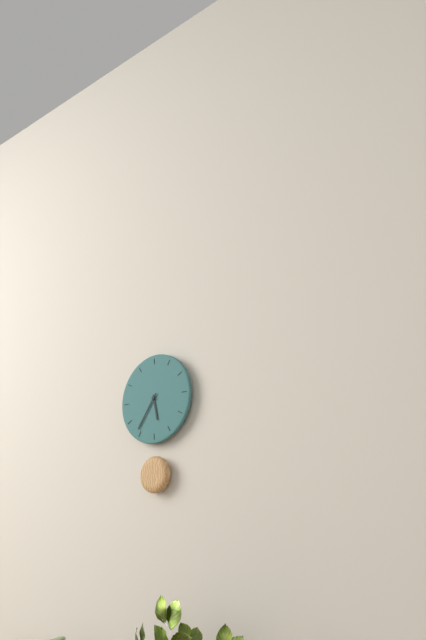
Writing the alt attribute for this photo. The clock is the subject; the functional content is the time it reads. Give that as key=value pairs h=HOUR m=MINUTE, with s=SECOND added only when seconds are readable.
h=5 m=36
